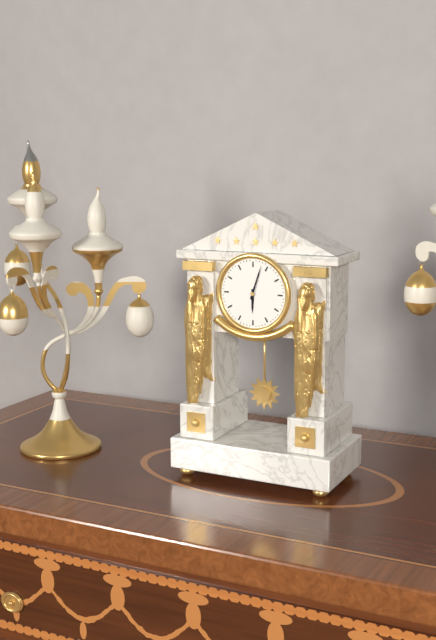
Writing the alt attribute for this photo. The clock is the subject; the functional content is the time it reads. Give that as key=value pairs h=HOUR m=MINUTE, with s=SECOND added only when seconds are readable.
h=6 m=3
